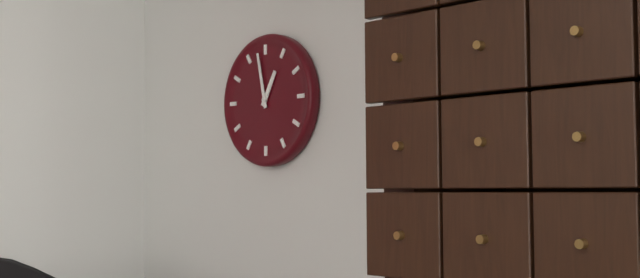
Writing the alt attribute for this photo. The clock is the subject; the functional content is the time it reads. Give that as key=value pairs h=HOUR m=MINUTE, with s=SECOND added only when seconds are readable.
h=12 m=58
